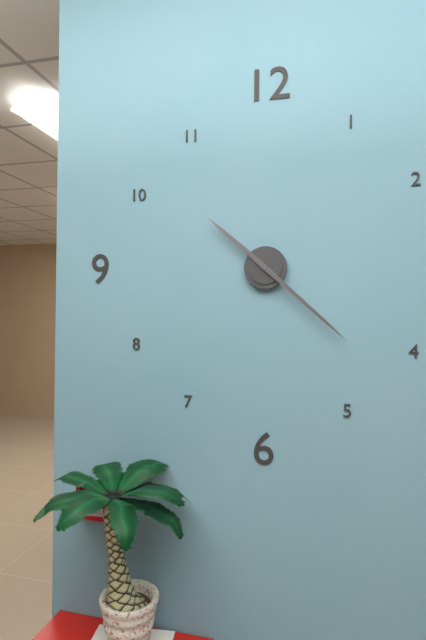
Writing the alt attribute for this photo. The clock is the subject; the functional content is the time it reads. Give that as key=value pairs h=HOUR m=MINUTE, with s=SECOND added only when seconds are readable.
h=10 m=22
